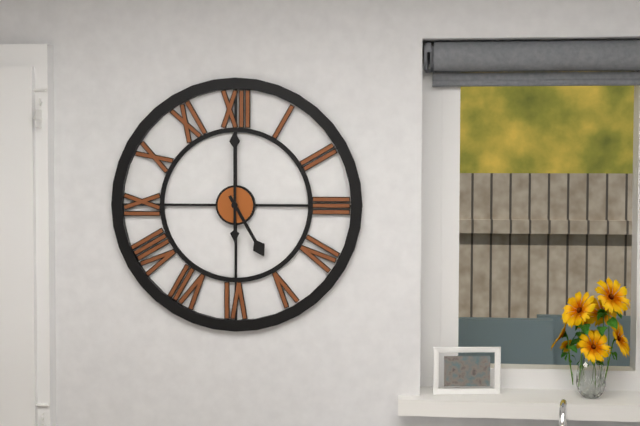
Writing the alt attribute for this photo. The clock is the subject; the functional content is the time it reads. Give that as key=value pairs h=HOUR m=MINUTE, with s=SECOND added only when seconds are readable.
h=5 m=0
